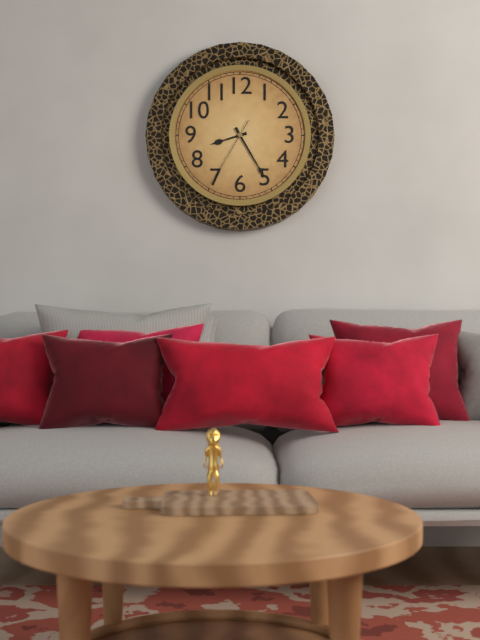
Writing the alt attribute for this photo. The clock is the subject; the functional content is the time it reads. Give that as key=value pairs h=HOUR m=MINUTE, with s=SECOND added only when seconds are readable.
h=8 m=25 s=35
